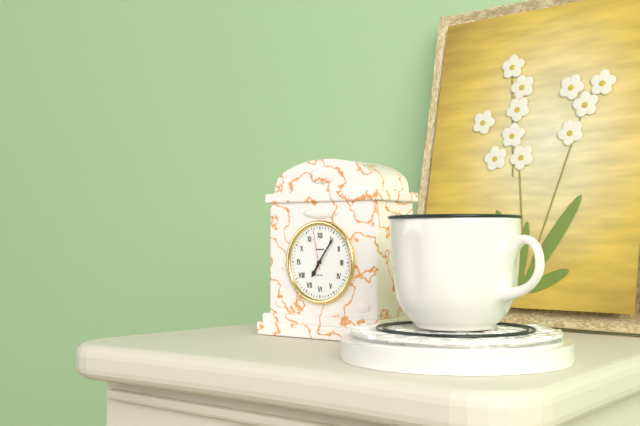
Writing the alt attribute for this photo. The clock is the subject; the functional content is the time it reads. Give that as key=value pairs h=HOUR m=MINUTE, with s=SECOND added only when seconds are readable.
h=7 m=6
